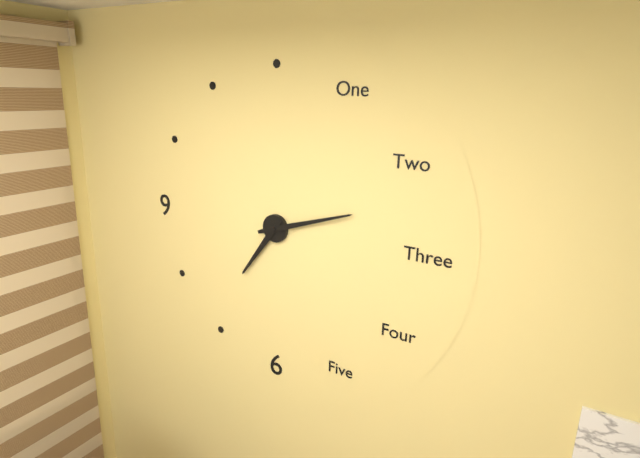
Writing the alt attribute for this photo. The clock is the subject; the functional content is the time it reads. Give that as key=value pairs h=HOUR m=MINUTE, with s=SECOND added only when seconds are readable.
h=7 m=12
